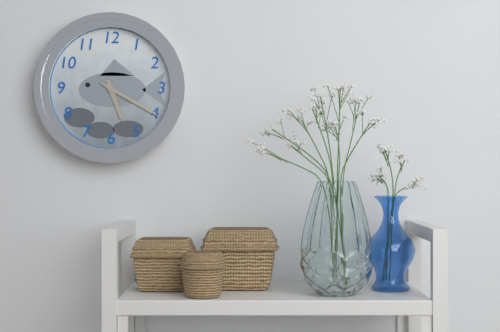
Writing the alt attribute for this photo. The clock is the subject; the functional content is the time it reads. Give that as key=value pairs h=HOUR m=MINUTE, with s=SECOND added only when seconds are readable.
h=5 m=20
